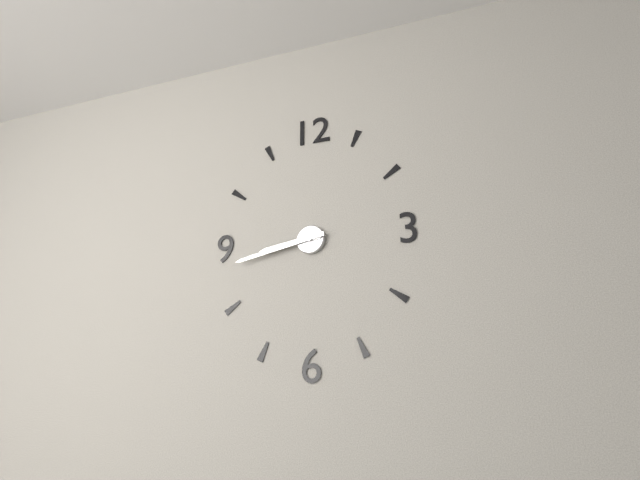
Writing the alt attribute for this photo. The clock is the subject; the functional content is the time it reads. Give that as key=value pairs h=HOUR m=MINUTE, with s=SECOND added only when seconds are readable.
h=8 m=43
